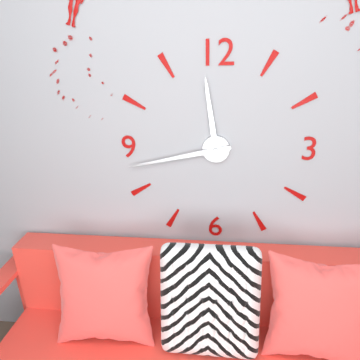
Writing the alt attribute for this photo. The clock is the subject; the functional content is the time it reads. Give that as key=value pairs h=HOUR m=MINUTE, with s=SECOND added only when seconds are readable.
h=11 m=43
